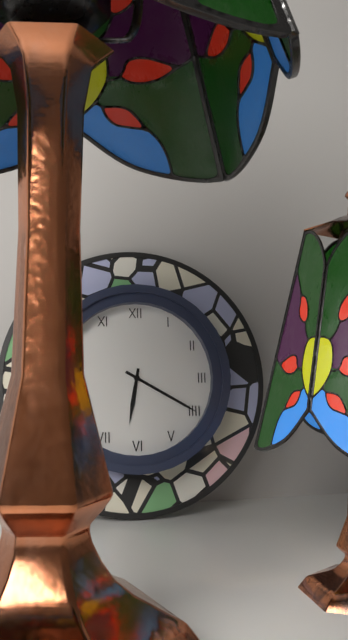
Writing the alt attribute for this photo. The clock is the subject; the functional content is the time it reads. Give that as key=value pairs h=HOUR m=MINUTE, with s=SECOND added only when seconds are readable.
h=6 m=20
